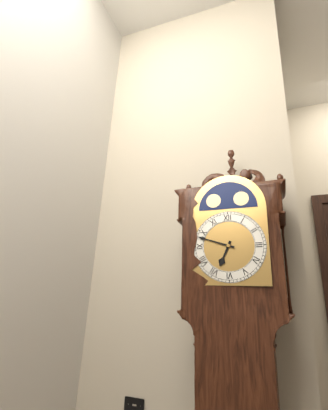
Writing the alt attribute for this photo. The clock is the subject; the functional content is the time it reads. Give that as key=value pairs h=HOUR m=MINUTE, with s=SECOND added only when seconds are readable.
h=6 m=48
